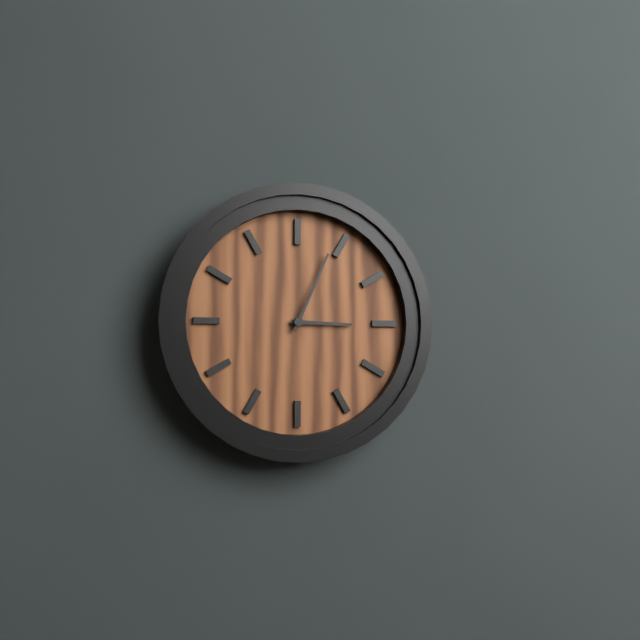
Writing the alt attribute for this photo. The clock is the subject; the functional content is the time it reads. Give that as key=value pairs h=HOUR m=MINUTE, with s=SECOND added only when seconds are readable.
h=3 m=4
